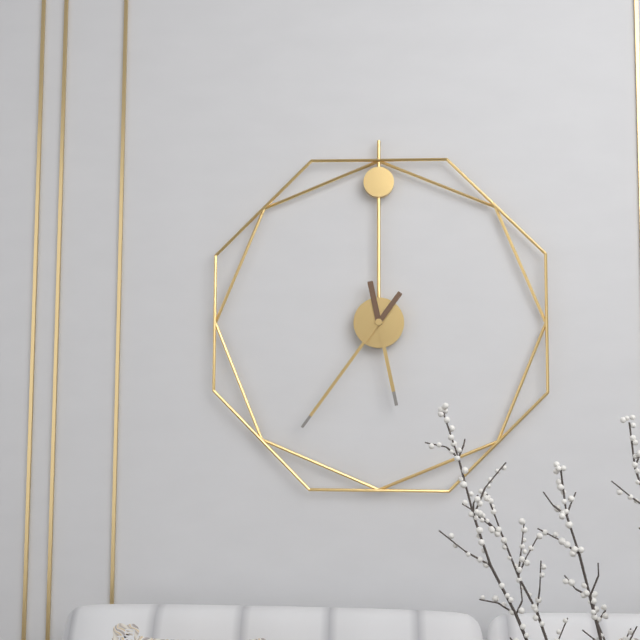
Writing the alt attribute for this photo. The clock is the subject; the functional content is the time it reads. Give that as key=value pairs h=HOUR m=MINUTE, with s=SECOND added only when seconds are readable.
h=5 m=36
